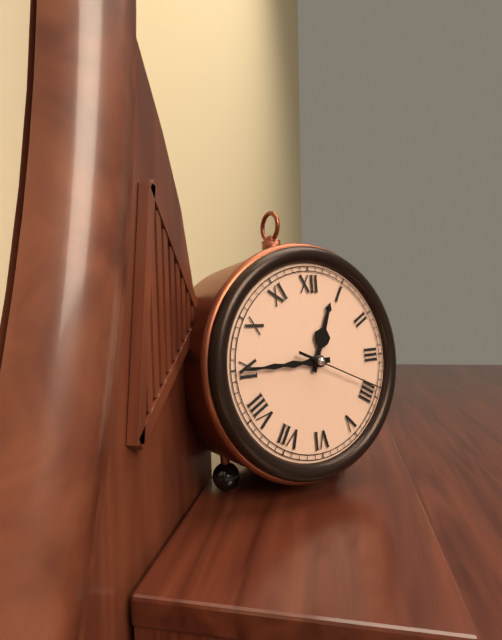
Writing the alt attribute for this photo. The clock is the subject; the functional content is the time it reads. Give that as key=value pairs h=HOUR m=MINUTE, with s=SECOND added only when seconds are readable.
h=12 m=45 s=19
